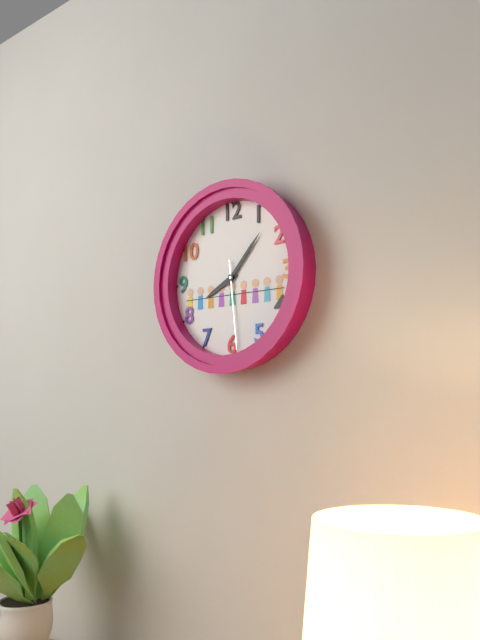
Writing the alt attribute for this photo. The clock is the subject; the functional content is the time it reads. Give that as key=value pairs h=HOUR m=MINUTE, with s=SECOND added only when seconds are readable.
h=8 m=7 s=29
